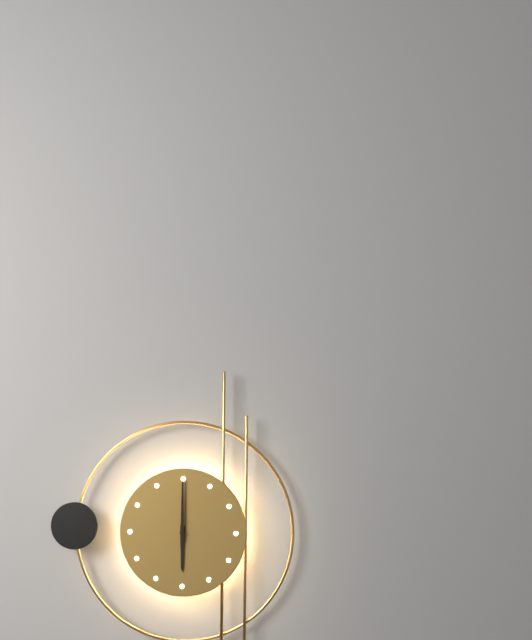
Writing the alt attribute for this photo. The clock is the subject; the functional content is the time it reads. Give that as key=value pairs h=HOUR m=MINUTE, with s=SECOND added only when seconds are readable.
h=6 m=0
